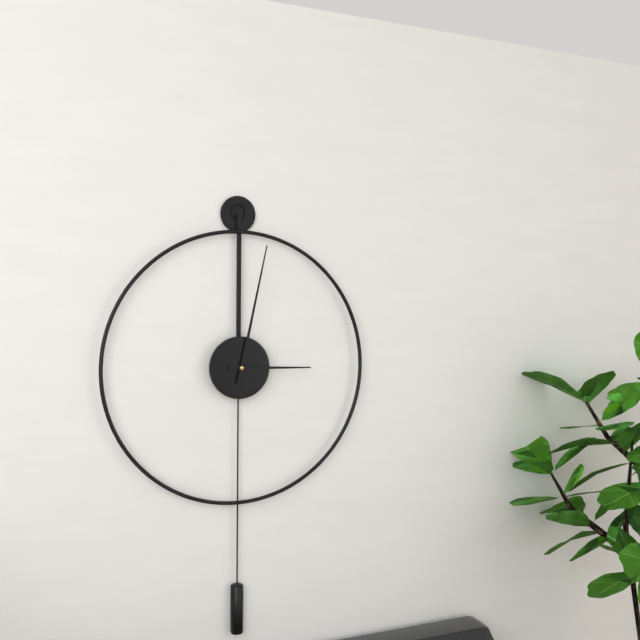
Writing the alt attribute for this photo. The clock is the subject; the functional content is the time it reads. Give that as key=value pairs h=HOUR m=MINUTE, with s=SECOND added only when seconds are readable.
h=3 m=2
